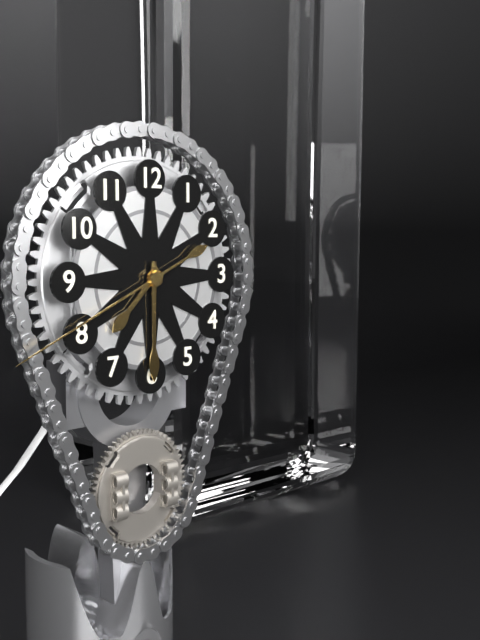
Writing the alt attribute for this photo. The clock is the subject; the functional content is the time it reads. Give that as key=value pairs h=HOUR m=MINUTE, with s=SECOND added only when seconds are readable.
h=7 m=30 s=41
